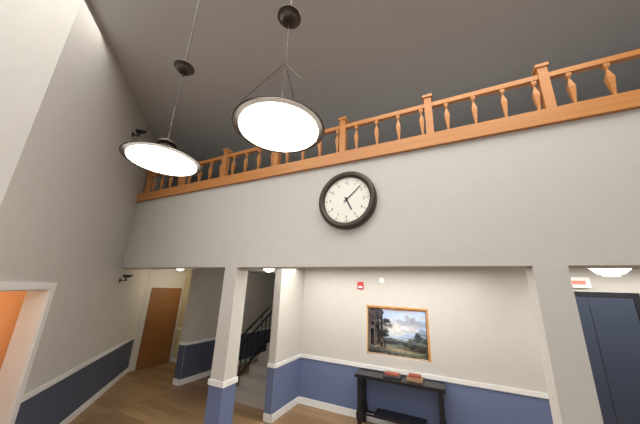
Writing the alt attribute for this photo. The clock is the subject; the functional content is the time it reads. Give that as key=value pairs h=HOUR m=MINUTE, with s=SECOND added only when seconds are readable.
h=5 m=8
